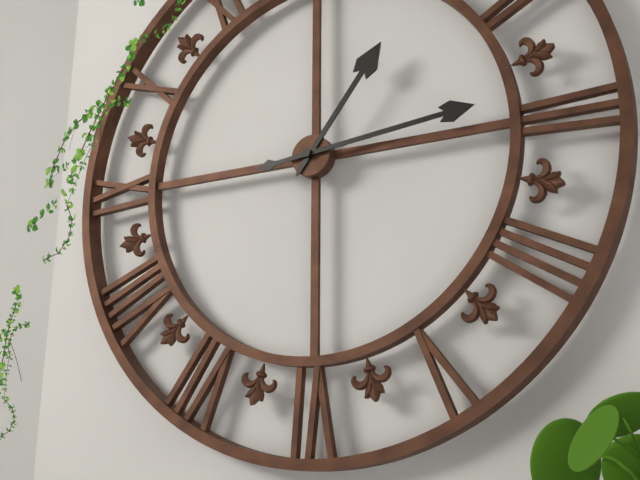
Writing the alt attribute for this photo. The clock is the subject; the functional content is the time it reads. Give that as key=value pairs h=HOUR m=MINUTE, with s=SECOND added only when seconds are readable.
h=1 m=14
